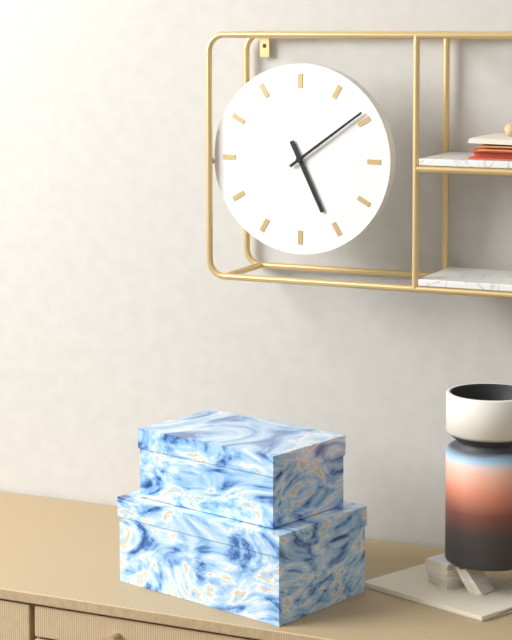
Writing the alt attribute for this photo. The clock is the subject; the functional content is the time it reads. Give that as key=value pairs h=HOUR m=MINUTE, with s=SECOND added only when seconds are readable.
h=5 m=9
